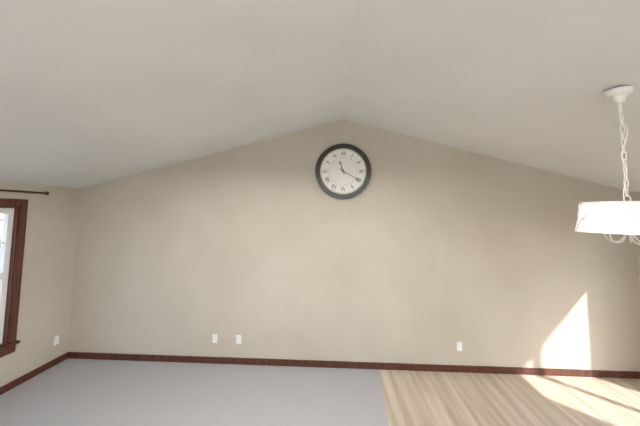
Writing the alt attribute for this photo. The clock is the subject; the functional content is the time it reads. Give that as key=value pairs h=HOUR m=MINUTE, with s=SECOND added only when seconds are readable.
h=11 m=20
